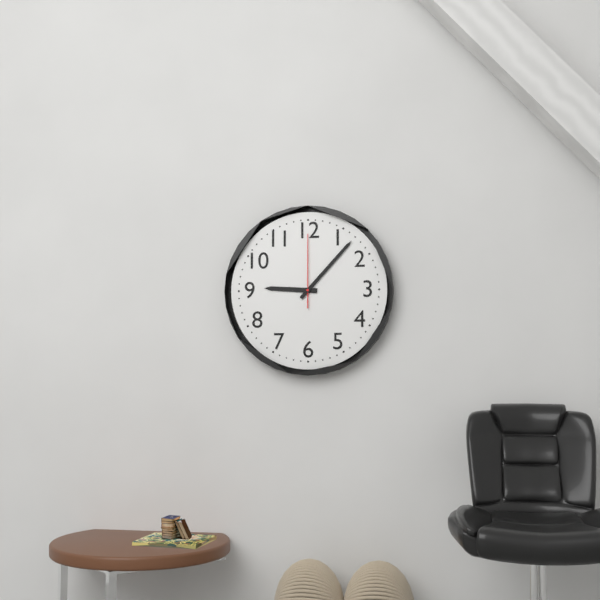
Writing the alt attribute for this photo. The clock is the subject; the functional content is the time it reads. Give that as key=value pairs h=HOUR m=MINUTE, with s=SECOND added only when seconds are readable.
h=9 m=7 s=0
